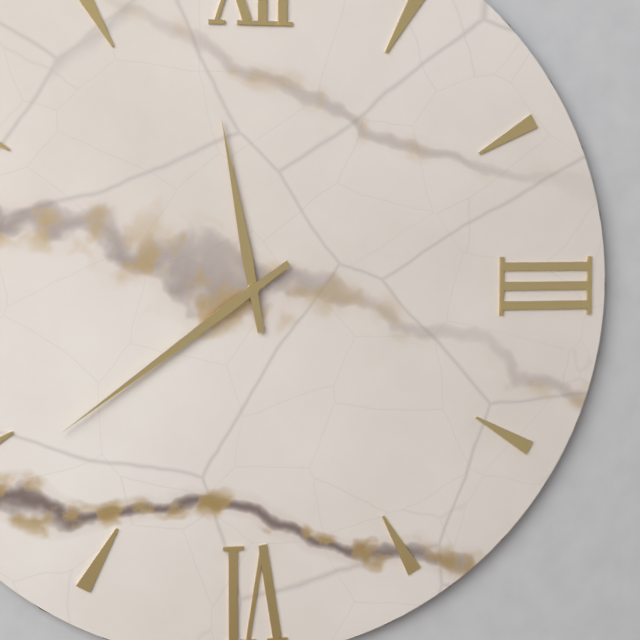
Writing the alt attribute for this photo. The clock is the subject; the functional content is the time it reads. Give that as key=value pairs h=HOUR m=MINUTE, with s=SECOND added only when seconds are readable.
h=11 m=39
